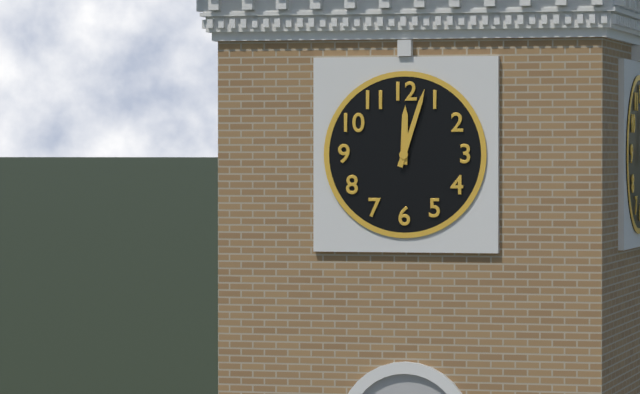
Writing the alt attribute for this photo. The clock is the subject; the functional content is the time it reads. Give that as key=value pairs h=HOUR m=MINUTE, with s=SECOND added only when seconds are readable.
h=12 m=3
